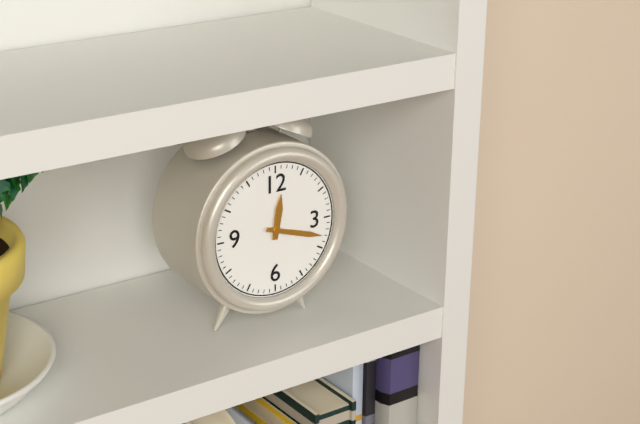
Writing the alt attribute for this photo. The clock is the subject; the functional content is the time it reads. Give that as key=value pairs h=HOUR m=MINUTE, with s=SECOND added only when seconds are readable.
h=12 m=18
